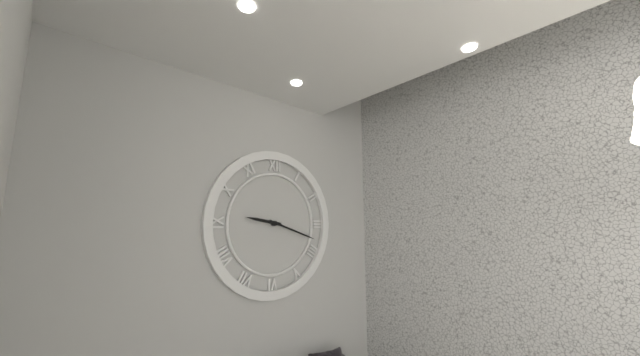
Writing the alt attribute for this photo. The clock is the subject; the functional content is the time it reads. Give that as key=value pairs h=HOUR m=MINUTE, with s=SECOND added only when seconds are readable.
h=9 m=18
